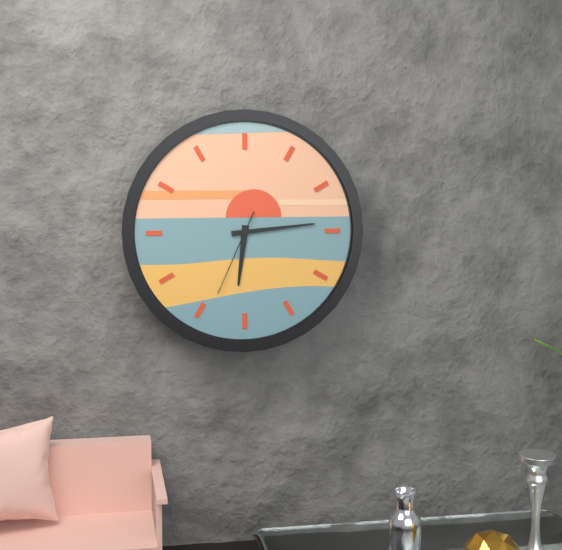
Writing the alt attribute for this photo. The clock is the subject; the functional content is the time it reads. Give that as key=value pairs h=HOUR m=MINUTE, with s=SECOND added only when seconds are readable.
h=6 m=14 s=34
